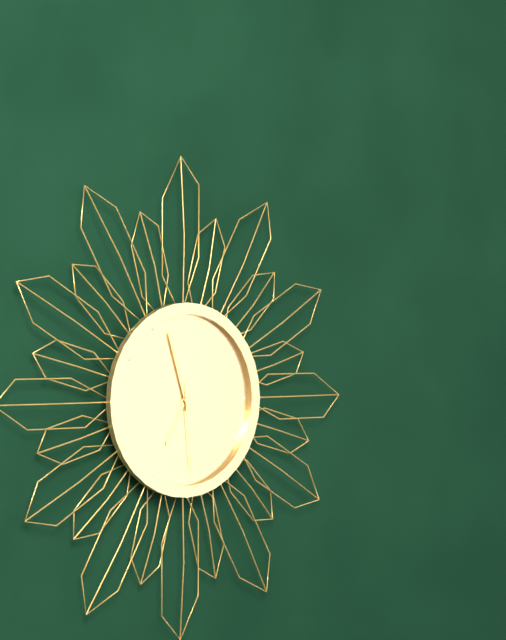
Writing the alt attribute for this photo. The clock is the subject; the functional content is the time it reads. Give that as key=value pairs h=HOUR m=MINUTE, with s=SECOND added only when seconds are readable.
h=6 m=57 s=29
